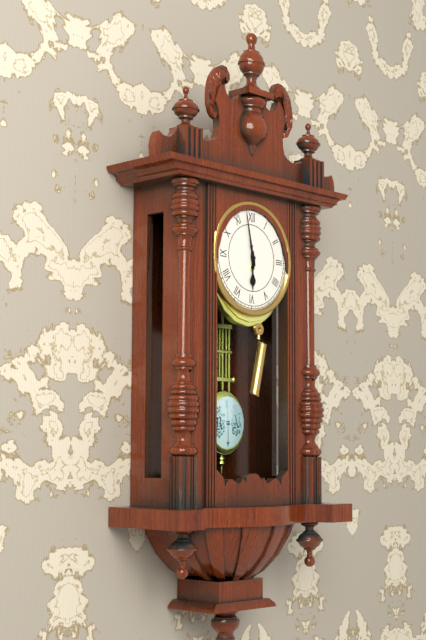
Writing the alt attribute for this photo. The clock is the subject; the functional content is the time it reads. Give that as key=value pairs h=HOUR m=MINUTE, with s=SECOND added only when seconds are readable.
h=5 m=58
